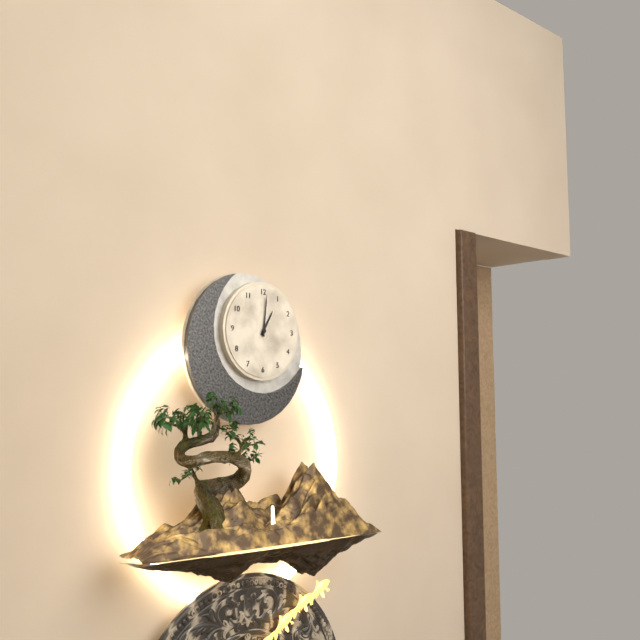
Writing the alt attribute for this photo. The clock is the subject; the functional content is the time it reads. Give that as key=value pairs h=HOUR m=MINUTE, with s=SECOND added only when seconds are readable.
h=1 m=1
